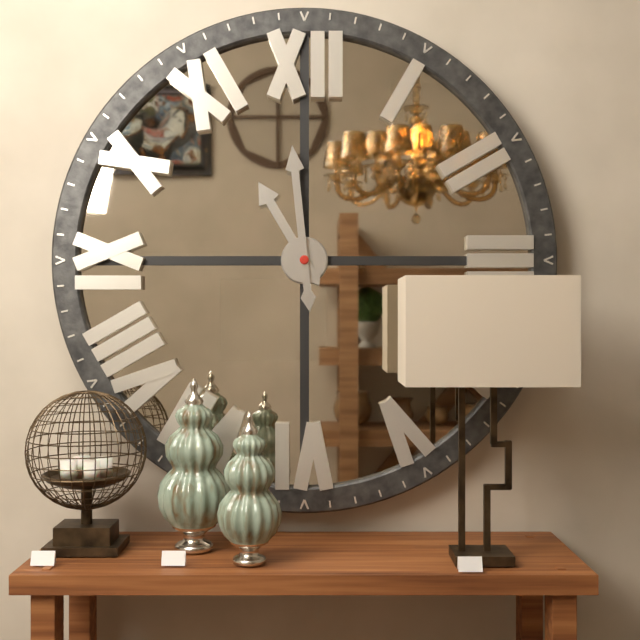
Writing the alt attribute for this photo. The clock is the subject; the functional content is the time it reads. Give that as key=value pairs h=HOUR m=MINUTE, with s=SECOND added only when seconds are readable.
h=10 m=59
